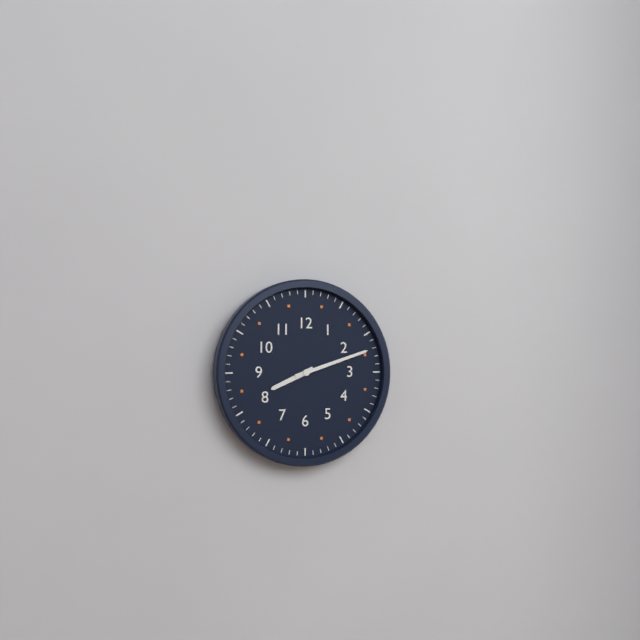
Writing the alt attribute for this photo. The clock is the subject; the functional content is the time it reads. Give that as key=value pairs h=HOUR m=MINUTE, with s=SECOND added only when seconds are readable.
h=8 m=12
